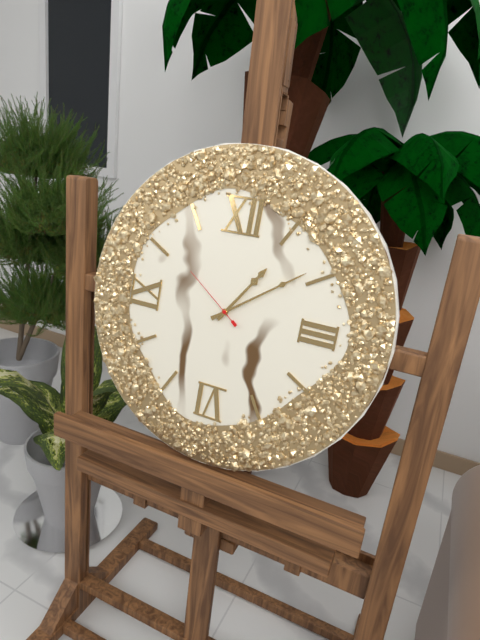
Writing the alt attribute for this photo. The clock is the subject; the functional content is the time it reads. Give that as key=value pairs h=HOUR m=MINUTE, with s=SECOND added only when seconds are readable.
h=1 m=9 s=51
